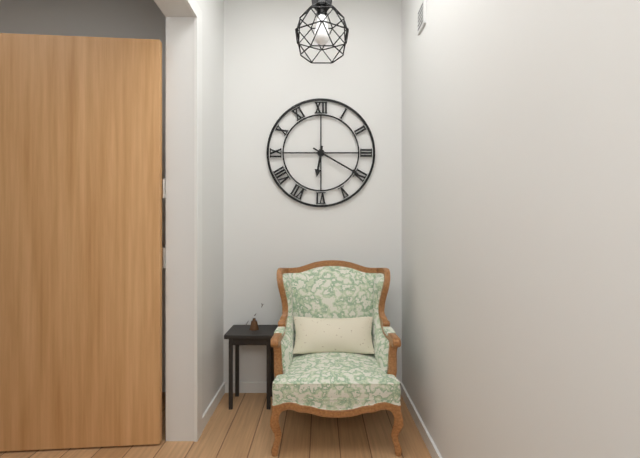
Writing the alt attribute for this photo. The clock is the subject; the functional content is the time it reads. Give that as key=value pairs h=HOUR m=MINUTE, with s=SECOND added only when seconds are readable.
h=6 m=20
